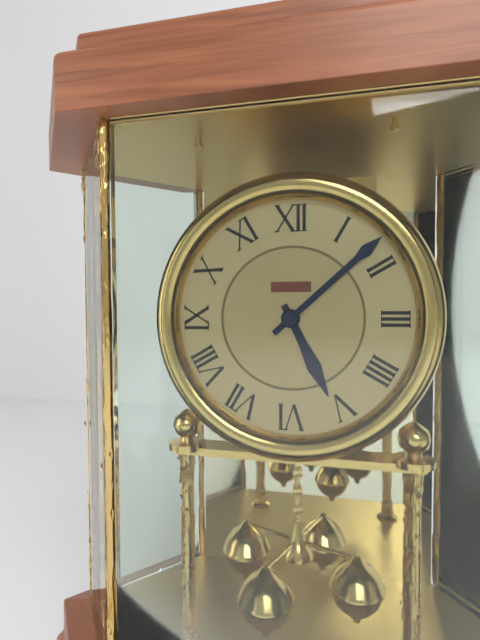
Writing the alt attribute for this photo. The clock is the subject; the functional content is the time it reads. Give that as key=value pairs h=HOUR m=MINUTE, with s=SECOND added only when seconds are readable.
h=5 m=8
